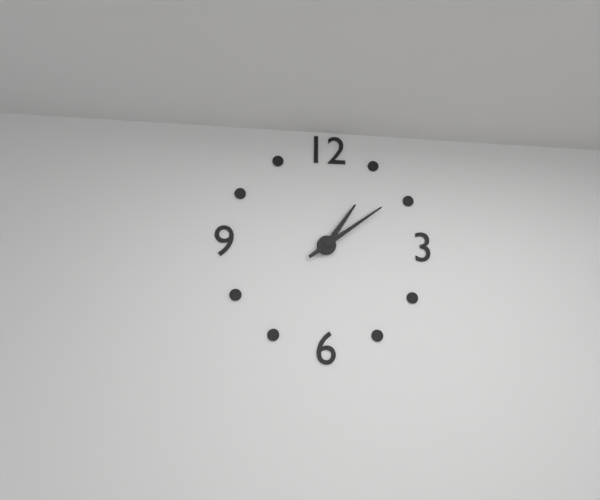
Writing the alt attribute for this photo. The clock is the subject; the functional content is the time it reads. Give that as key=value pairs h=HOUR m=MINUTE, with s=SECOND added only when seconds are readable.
h=1 m=9
